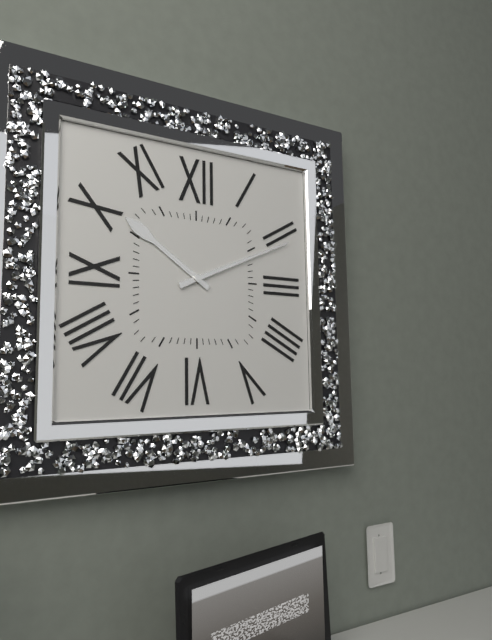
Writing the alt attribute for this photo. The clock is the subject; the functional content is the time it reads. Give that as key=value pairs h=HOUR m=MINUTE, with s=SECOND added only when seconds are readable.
h=10 m=11
